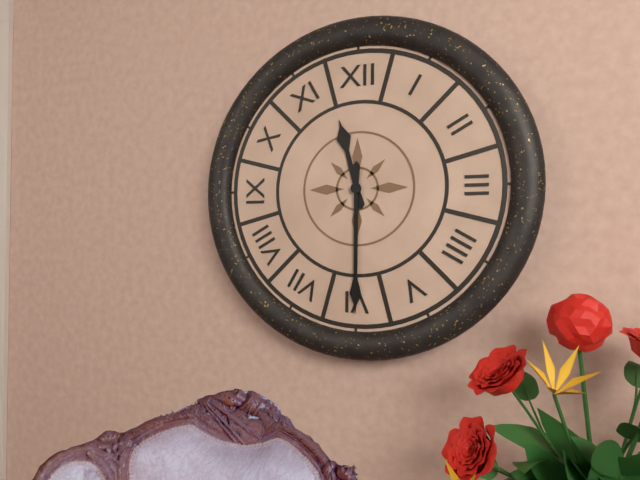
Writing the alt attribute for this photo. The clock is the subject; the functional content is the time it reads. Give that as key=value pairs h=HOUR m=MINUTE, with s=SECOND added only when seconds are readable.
h=11 m=30
